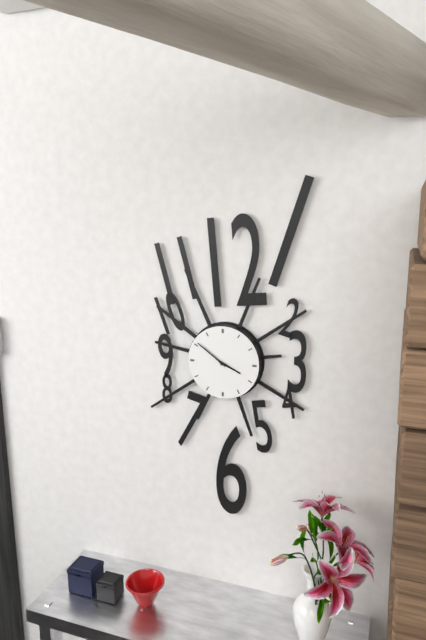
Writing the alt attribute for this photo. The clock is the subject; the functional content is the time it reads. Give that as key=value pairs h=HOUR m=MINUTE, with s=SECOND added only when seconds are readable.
h=3 m=51
